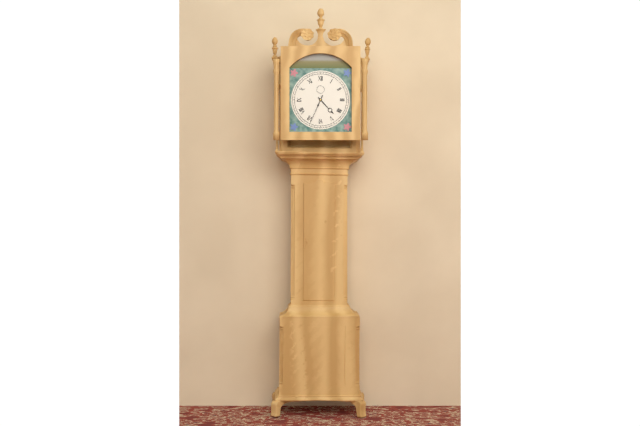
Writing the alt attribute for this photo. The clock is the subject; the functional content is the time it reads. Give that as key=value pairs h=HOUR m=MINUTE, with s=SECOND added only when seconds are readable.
h=4 m=34
